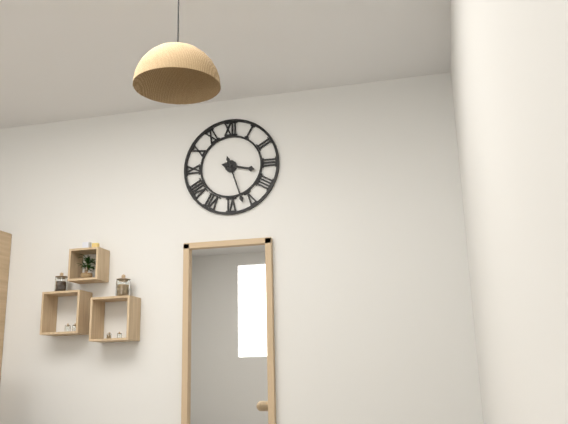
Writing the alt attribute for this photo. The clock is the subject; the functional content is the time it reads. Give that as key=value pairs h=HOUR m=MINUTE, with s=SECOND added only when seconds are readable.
h=3 m=27
